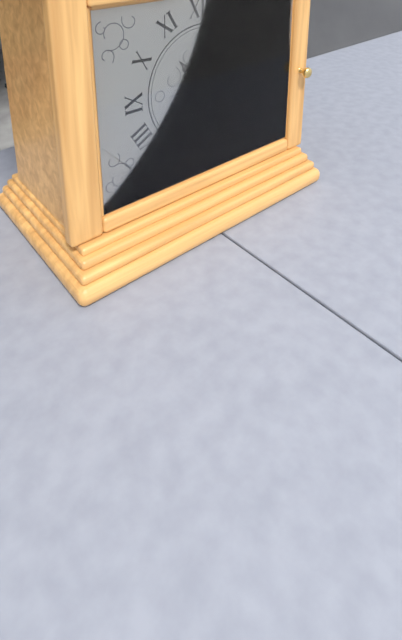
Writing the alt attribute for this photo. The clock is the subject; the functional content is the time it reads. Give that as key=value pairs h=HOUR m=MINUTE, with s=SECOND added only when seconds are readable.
h=10 m=38 s=16
